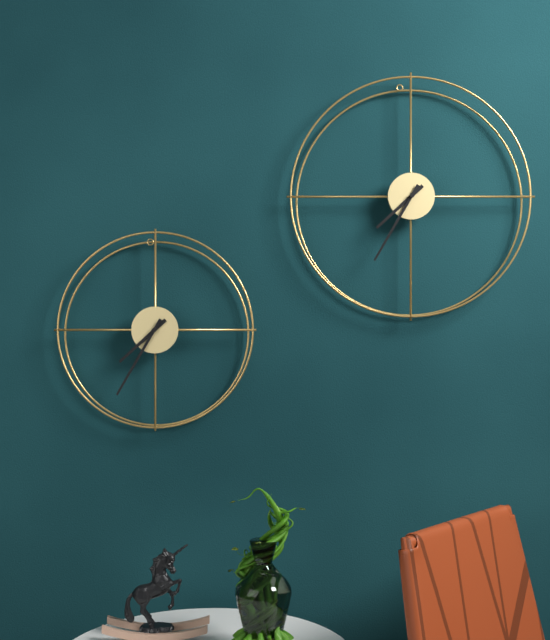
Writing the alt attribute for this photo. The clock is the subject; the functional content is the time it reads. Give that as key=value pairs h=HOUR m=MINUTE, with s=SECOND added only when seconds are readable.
h=7 m=35
